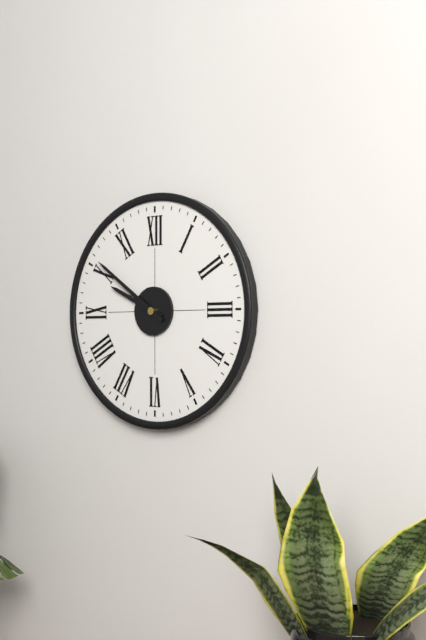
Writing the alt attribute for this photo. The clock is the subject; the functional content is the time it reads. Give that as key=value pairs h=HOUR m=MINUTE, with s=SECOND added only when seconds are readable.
h=9 m=51
